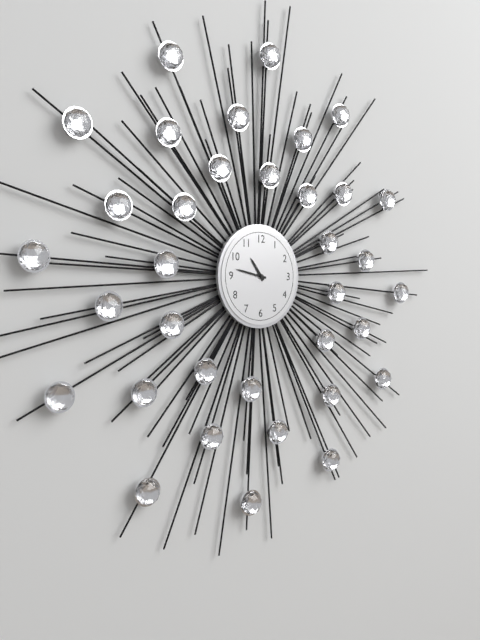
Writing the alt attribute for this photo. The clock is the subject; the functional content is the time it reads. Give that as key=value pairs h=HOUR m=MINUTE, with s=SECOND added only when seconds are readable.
h=10 m=47
